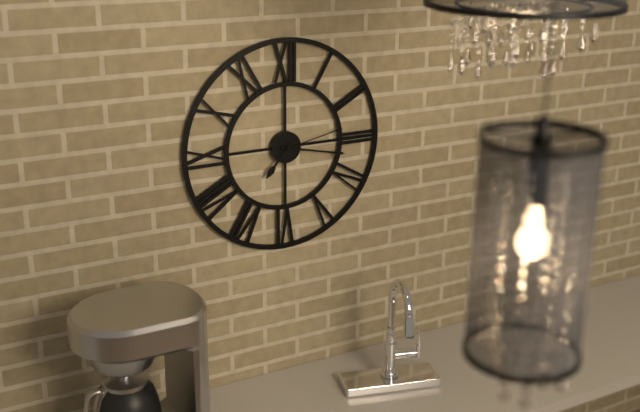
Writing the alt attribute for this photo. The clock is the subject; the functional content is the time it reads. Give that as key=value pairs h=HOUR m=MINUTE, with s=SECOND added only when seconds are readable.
h=7 m=17 s=13
